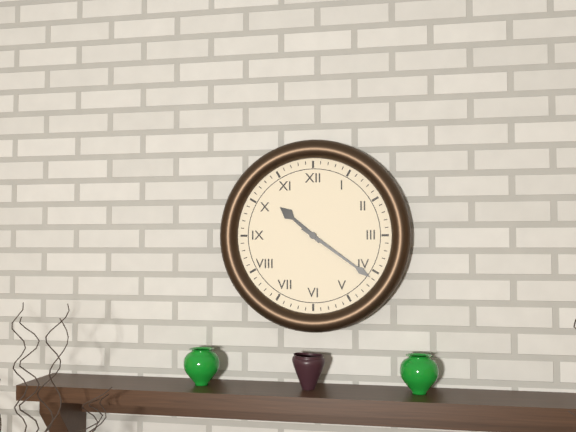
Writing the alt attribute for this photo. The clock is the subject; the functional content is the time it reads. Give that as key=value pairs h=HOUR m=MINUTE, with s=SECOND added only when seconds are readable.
h=10 m=21
